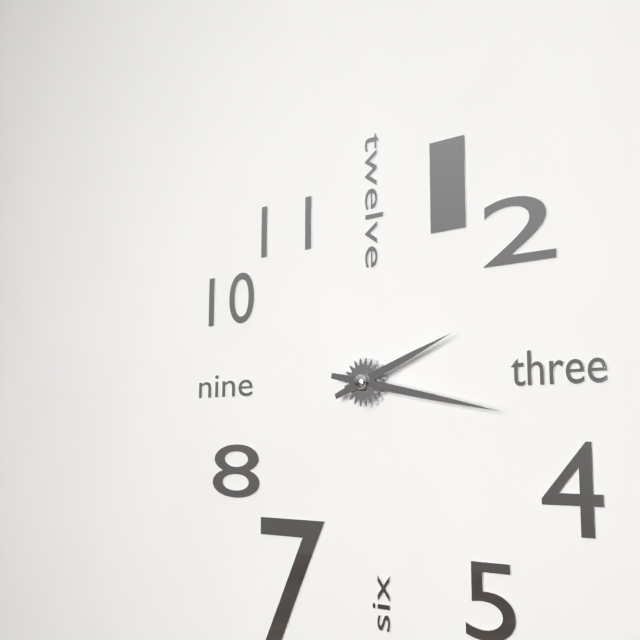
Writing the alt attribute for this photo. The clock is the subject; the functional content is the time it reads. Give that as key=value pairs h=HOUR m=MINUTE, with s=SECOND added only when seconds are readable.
h=2 m=17
